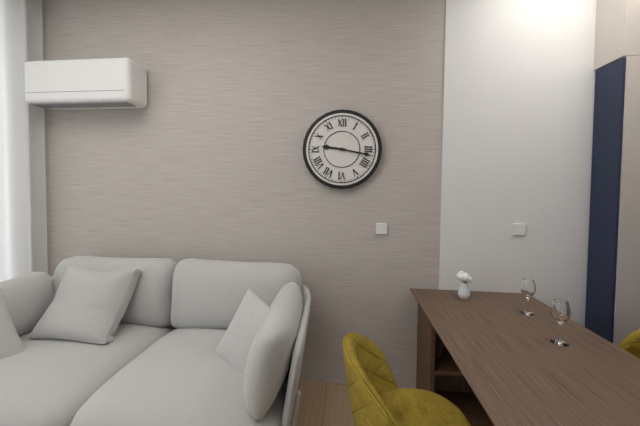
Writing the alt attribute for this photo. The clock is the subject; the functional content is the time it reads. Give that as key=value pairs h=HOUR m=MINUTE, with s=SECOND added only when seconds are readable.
h=9 m=17
